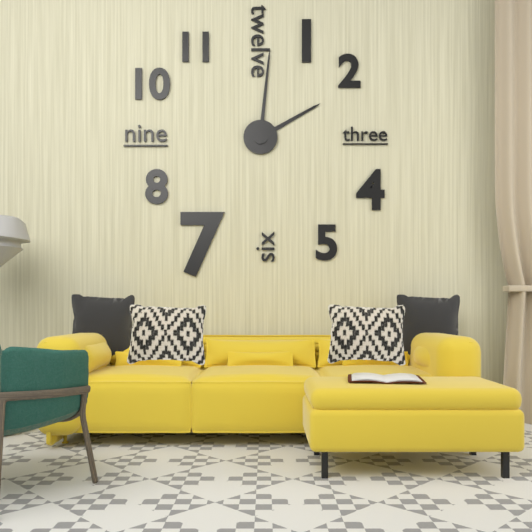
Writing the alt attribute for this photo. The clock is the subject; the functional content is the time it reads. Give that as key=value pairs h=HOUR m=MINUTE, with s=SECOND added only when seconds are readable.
h=2 m=1
